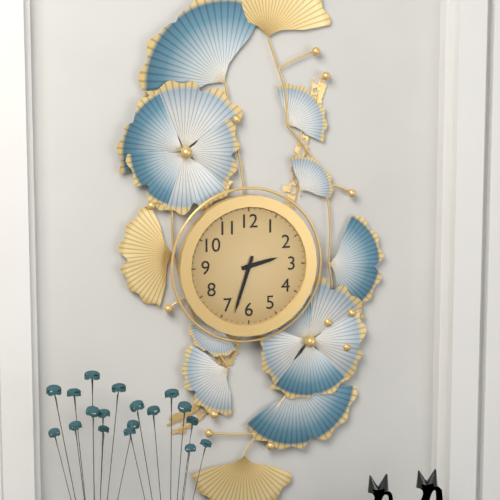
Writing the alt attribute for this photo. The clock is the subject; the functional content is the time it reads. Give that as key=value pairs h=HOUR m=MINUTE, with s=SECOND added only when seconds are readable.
h=2 m=33
